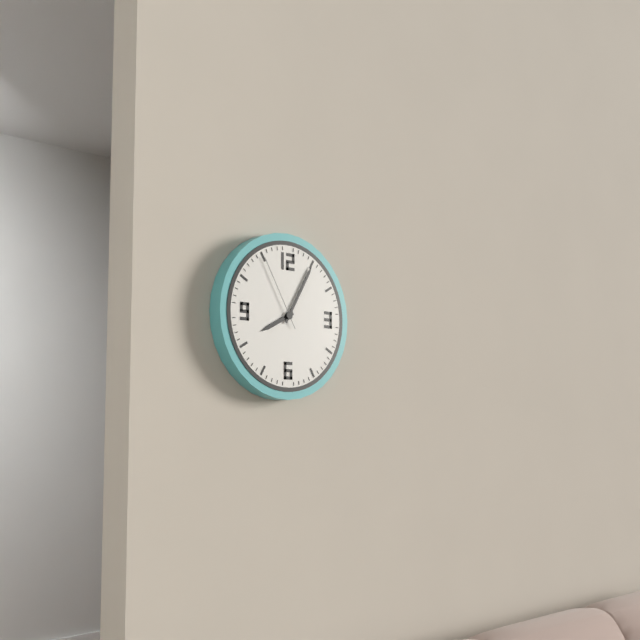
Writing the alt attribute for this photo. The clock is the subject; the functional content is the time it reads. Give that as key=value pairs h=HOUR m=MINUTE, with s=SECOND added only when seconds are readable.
h=8 m=5 s=55
